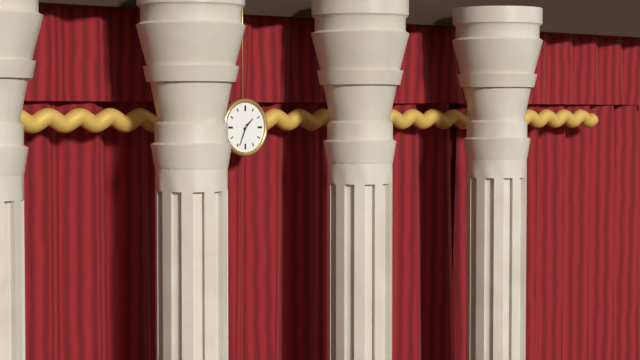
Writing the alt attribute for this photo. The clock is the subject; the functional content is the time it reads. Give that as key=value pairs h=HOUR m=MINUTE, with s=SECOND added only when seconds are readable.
h=1 m=34
